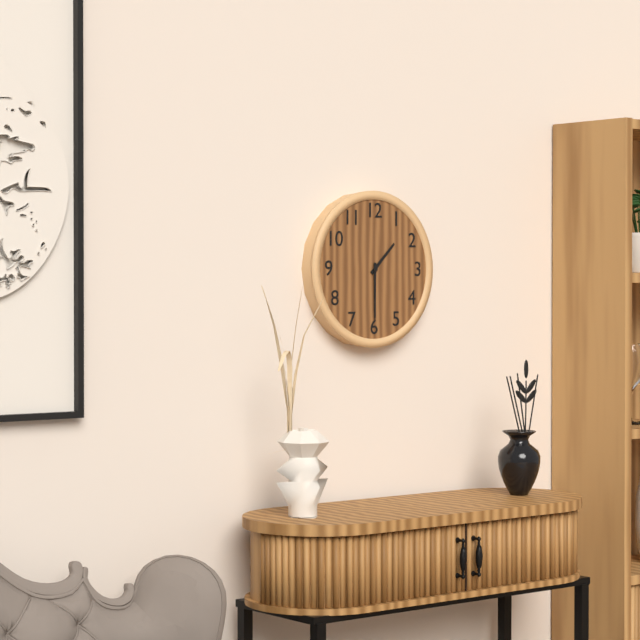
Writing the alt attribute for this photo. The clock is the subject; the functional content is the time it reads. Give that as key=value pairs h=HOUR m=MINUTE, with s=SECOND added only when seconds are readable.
h=1 m=30
